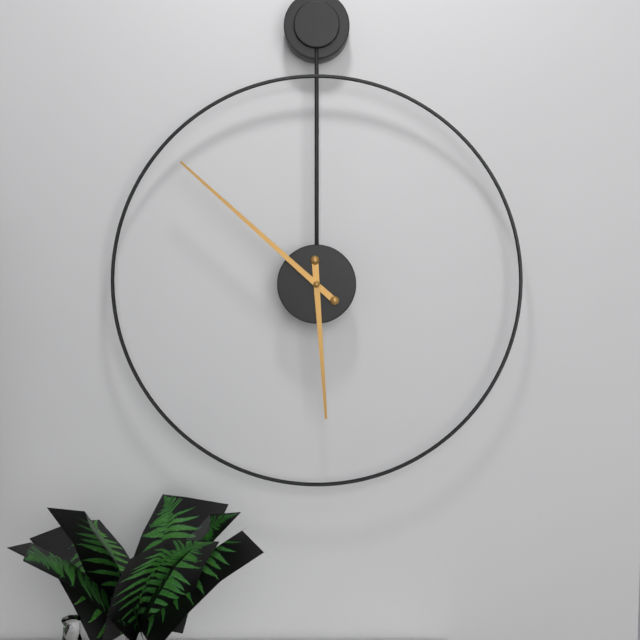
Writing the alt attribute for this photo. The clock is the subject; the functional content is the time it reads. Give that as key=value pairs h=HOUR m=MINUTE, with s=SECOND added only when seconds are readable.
h=5 m=52
